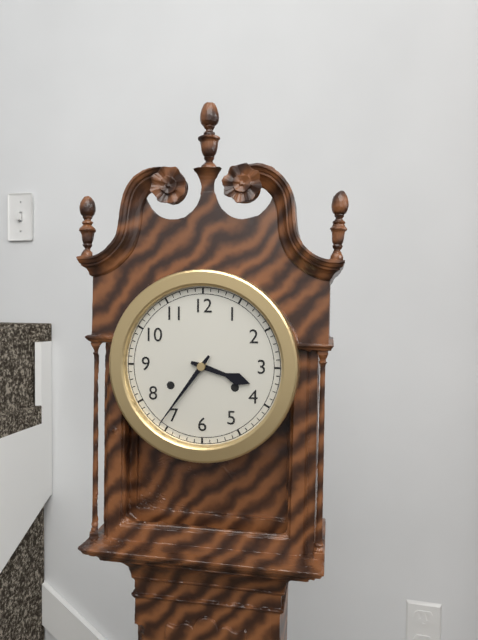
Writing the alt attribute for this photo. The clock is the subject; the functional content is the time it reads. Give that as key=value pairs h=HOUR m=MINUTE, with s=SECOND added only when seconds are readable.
h=3 m=36
